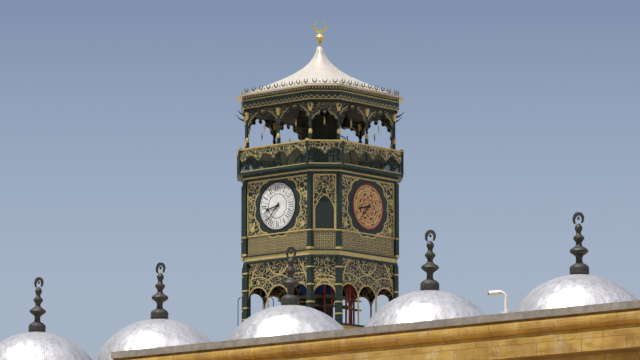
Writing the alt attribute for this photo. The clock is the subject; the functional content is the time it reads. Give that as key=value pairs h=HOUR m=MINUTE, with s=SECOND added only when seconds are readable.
h=8 m=37
